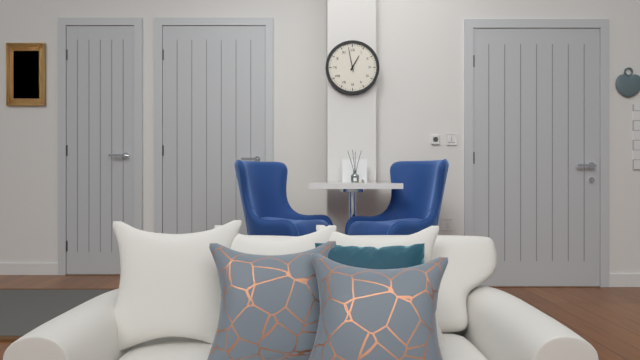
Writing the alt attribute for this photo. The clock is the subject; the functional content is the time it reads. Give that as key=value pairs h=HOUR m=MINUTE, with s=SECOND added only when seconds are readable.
h=12 m=58
